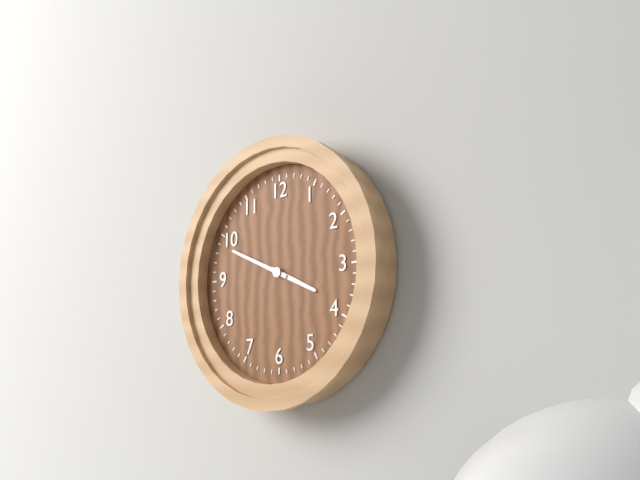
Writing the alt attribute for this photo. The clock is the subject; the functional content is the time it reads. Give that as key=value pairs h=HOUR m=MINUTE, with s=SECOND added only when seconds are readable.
h=3 m=49
